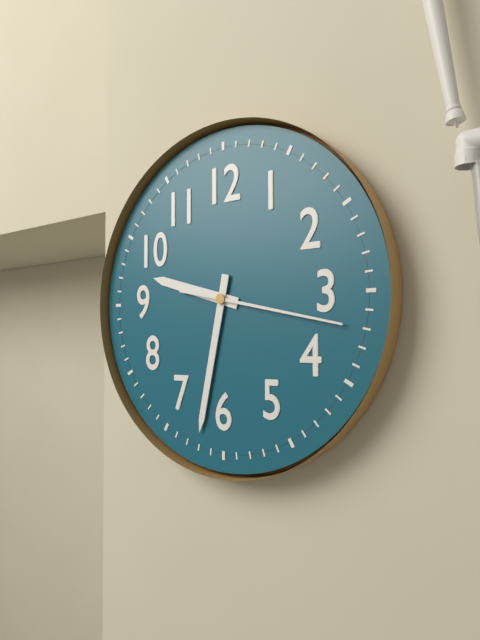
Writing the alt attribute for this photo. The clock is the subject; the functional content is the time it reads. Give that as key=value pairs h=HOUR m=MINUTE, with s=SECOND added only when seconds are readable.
h=9 m=32 s=17
